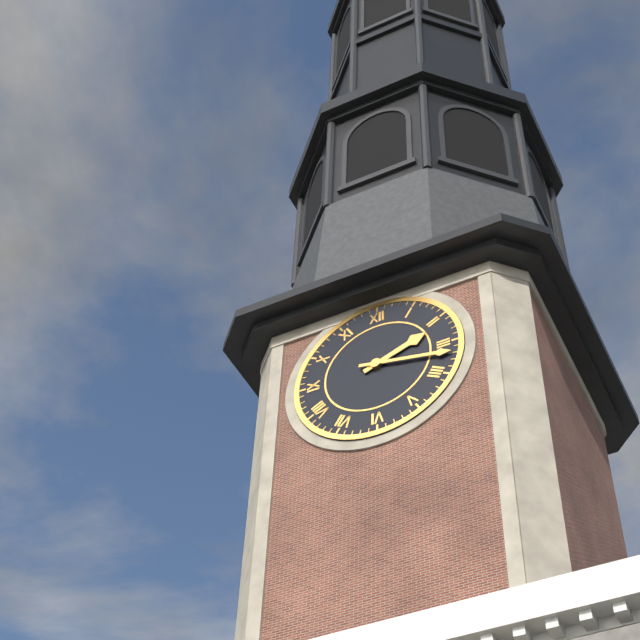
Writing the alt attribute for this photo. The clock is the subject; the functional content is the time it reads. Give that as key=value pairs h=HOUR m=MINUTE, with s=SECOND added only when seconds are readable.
h=2 m=17
